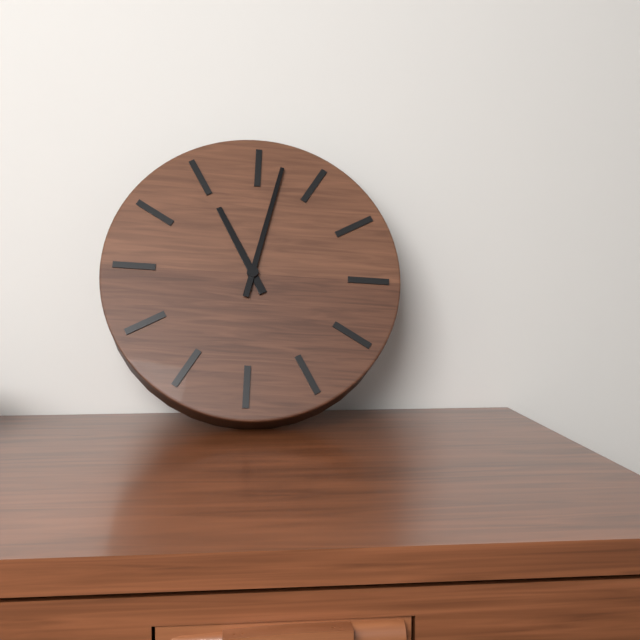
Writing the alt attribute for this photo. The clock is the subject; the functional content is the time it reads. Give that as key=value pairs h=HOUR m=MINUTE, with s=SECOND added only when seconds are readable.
h=11 m=2
